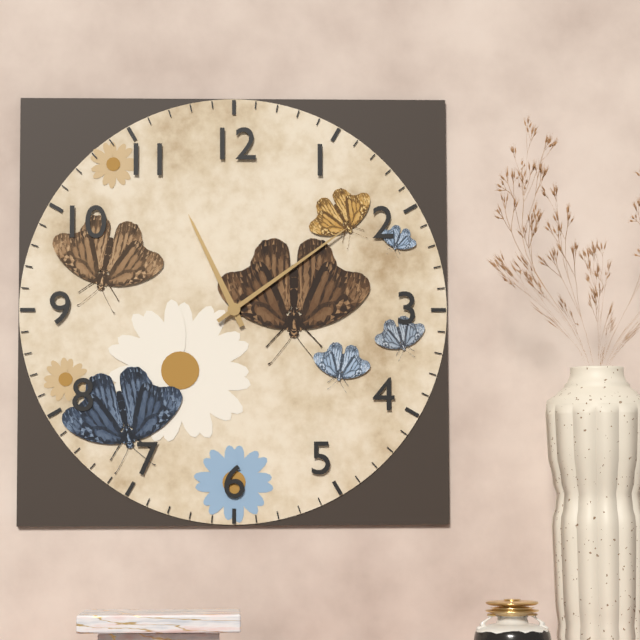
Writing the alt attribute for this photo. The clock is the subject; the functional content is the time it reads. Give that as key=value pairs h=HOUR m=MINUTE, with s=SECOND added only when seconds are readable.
h=11 m=9
